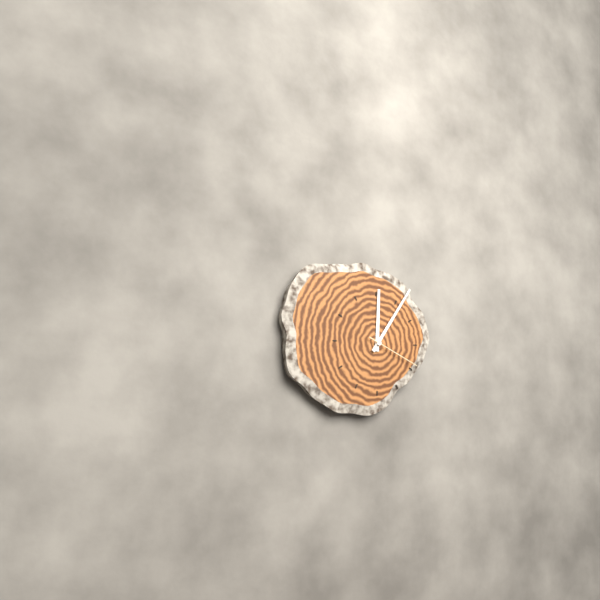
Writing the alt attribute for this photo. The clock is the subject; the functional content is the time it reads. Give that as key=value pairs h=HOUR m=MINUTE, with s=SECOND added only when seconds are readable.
h=12 m=6 s=19
